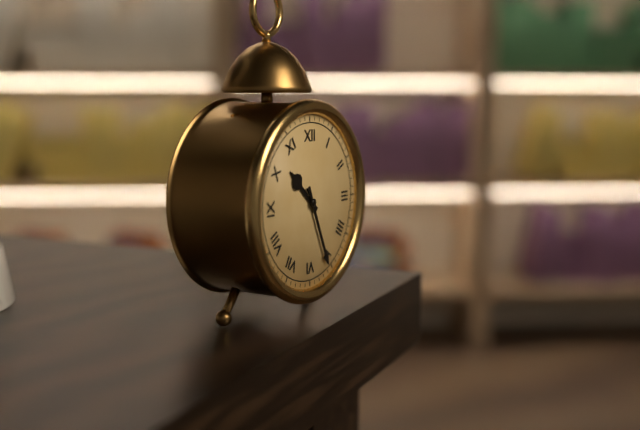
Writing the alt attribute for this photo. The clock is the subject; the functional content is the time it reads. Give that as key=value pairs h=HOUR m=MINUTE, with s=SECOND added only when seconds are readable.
h=10 m=26
